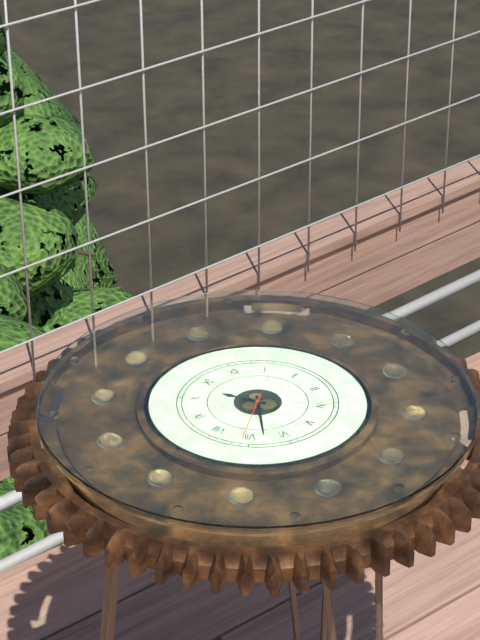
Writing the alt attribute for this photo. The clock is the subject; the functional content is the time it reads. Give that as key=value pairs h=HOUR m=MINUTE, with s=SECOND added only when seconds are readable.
h=10 m=33 s=36
